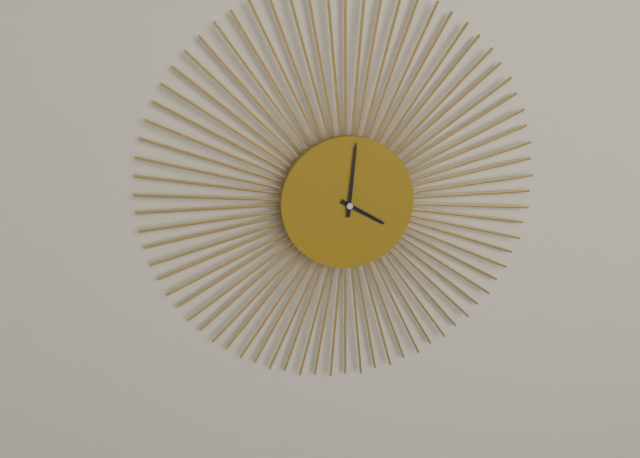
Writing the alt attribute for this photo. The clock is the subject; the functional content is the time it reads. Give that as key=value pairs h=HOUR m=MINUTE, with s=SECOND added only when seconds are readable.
h=4 m=1
